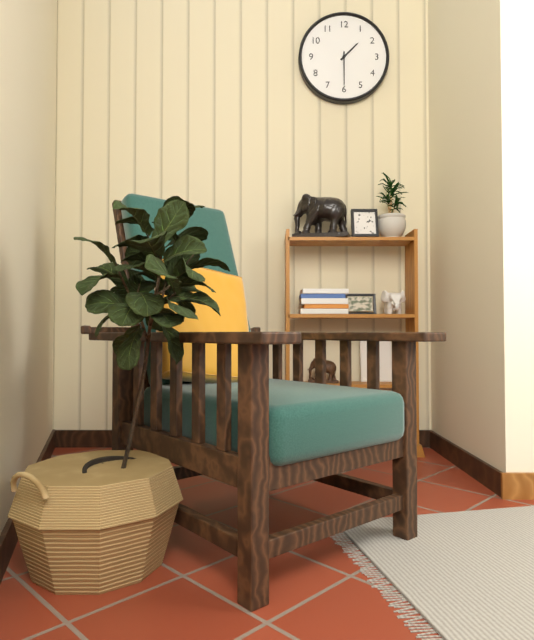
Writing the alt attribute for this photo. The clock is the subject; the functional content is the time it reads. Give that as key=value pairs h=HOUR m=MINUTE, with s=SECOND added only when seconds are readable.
h=1 m=30
